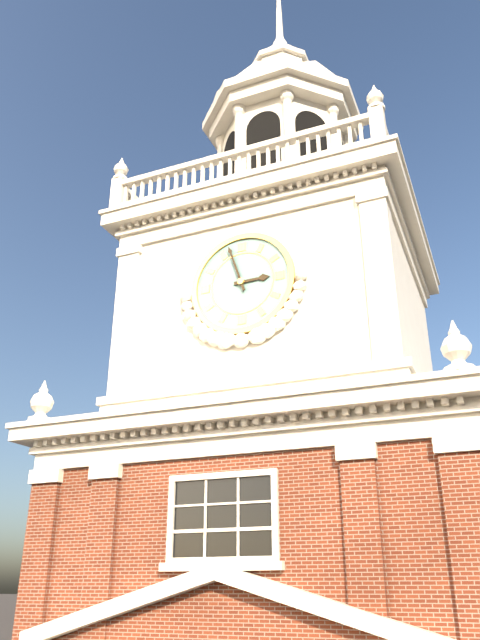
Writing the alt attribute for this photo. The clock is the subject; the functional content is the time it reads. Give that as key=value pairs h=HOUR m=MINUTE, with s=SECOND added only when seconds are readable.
h=2 m=57
